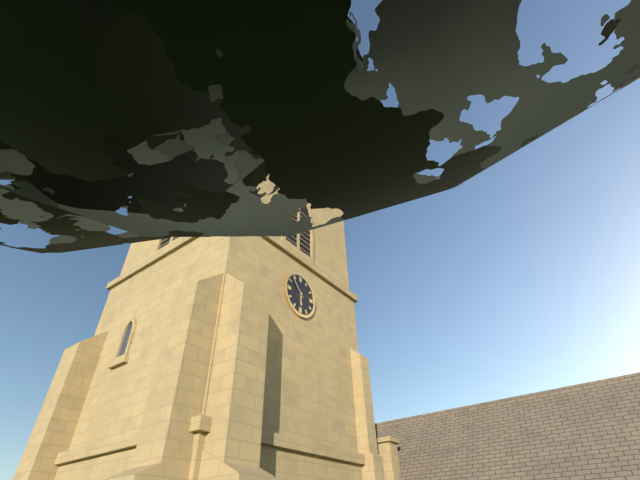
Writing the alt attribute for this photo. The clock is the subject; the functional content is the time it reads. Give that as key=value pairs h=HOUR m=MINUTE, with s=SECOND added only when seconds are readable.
h=5 m=53
